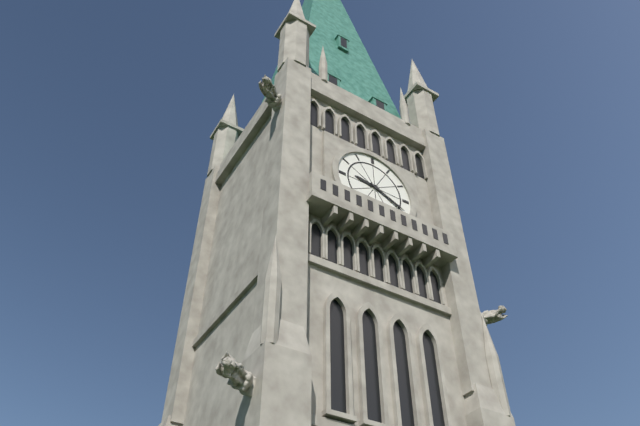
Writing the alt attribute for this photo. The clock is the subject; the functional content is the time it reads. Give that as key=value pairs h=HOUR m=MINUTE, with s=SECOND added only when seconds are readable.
h=9 m=19
